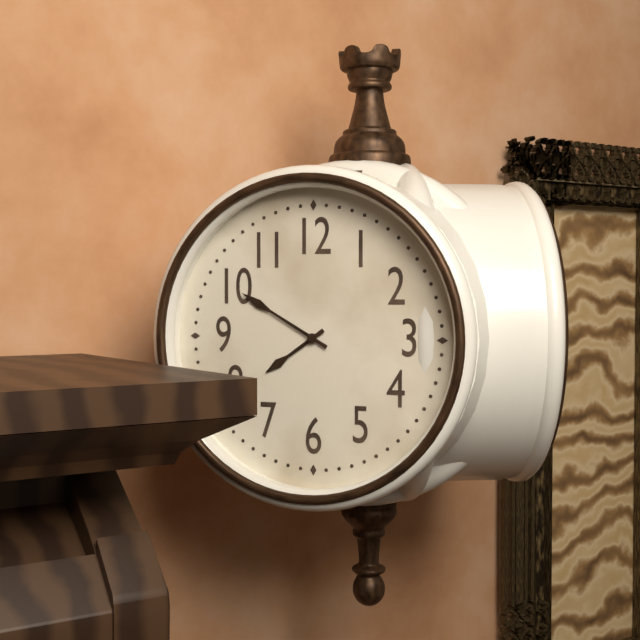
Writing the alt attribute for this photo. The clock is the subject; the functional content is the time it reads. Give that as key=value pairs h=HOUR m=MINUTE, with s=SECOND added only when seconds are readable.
h=7 m=50
